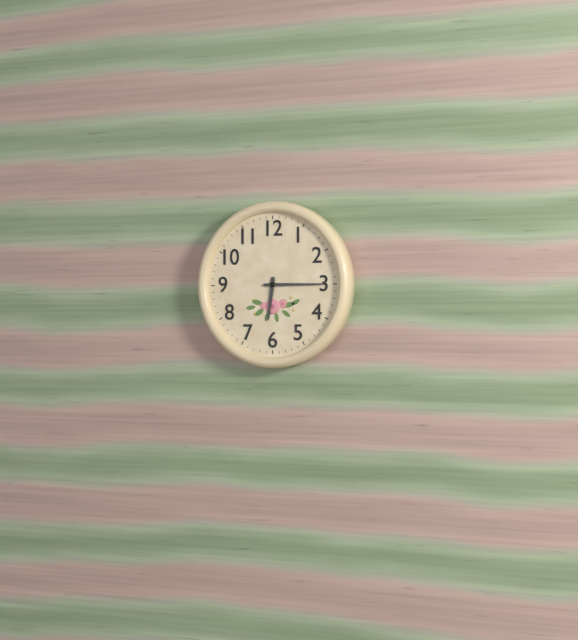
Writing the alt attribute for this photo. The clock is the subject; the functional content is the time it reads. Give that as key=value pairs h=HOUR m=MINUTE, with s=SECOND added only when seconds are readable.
h=6 m=15
